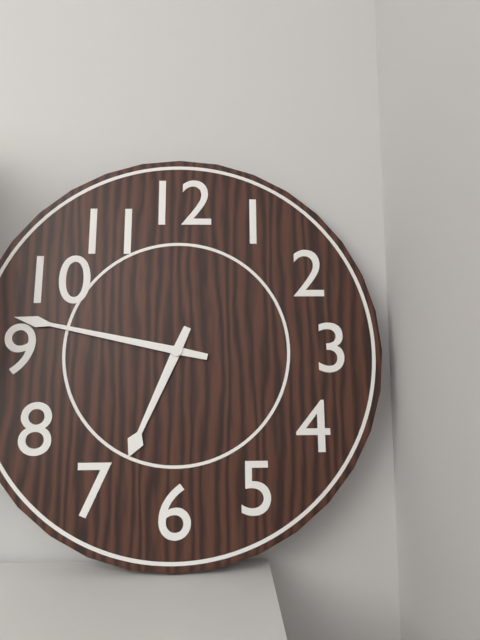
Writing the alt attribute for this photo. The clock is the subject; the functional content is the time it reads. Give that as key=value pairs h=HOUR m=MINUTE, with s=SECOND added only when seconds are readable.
h=6 m=47
